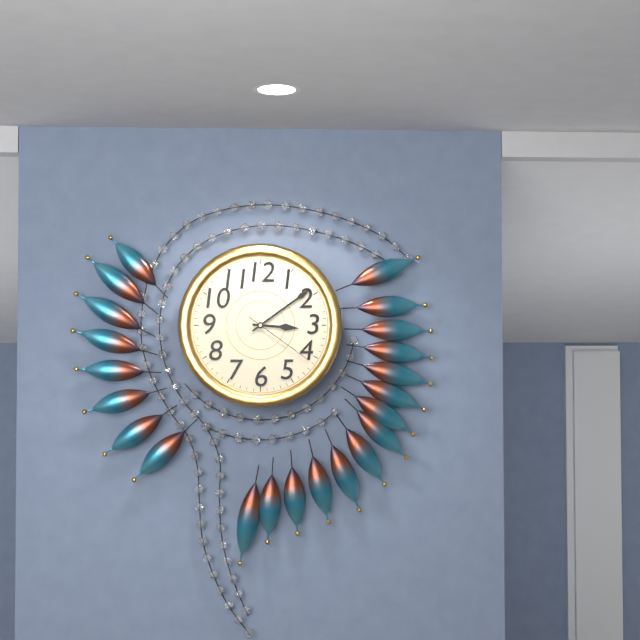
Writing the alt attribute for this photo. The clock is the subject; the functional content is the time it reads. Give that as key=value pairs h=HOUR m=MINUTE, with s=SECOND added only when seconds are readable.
h=3 m=9 s=21
